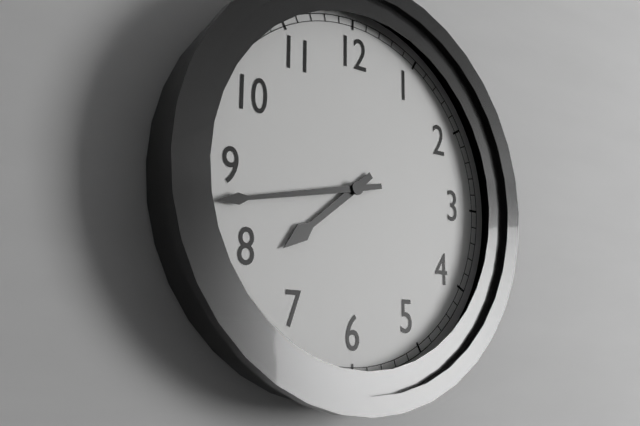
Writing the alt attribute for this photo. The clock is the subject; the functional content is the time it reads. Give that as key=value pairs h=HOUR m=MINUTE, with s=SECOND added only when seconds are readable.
h=7 m=43
